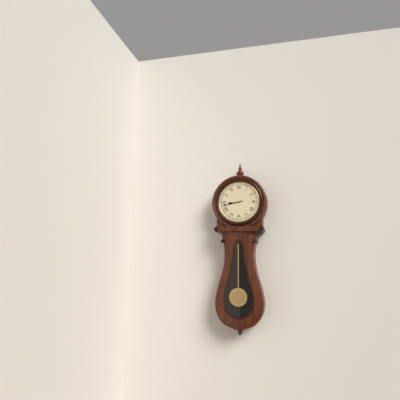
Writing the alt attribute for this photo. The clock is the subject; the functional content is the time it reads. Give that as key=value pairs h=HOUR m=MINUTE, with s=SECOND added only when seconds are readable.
h=8 m=43
